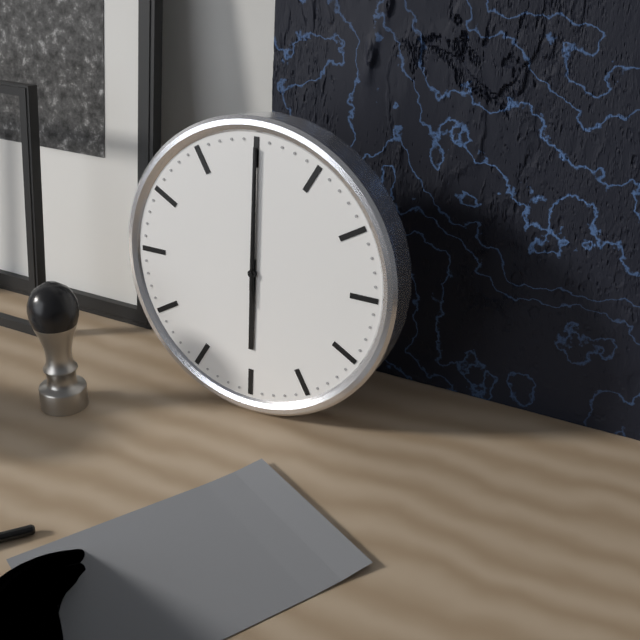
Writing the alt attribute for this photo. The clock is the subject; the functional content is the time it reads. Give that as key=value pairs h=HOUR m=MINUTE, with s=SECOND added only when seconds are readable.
h=6 m=0 s=0
